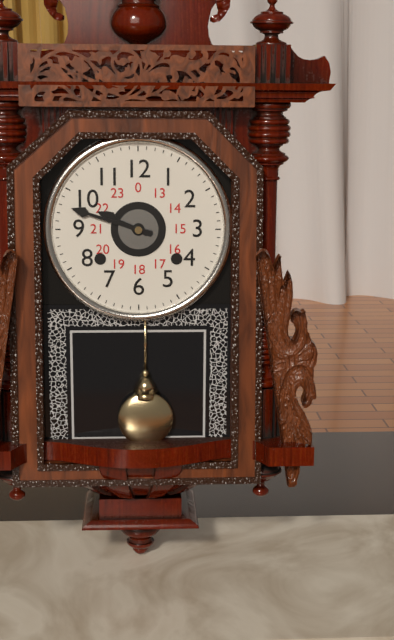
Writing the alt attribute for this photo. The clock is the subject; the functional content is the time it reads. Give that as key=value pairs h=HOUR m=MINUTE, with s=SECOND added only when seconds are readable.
h=9 m=48
